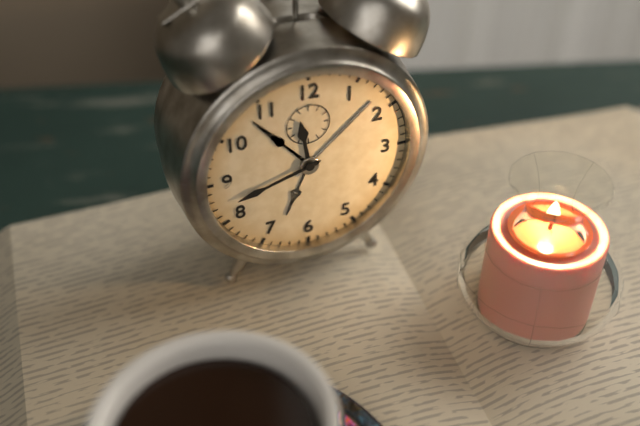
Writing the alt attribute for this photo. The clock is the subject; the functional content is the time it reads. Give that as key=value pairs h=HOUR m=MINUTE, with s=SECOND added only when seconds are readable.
h=11 m=42
